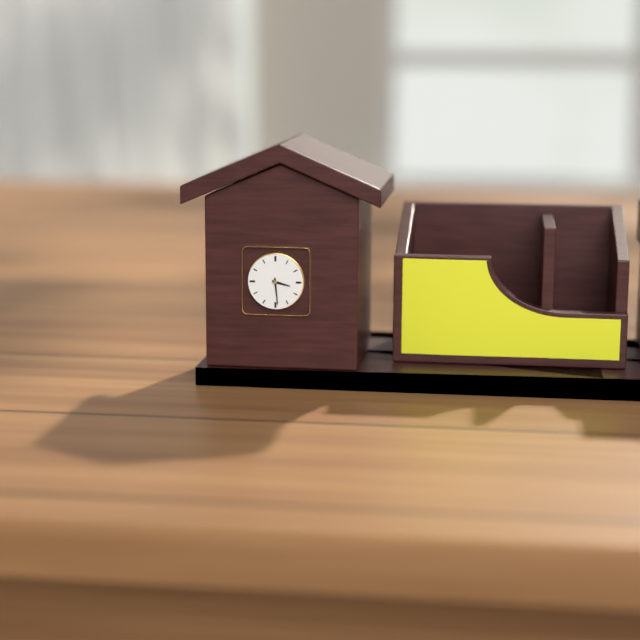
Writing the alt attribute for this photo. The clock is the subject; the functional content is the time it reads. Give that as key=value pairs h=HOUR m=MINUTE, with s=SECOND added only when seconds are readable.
h=3 m=29
